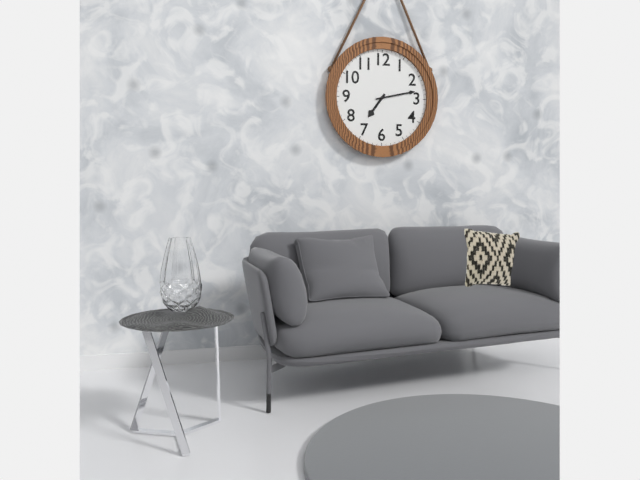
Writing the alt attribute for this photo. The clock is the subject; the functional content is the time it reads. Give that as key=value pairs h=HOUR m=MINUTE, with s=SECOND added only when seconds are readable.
h=7 m=13
